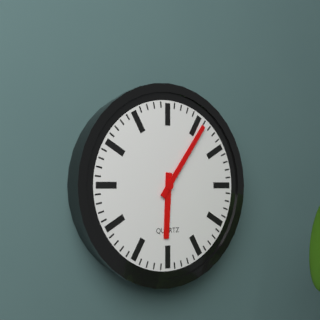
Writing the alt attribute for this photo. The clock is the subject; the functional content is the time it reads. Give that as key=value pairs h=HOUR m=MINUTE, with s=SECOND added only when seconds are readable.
h=6 m=6
